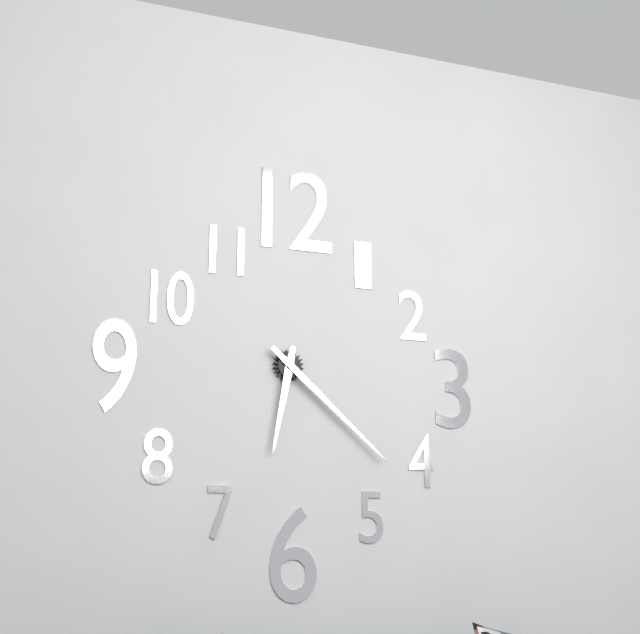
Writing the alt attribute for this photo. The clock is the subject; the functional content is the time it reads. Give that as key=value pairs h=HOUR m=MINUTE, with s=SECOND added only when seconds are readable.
h=6 m=22
